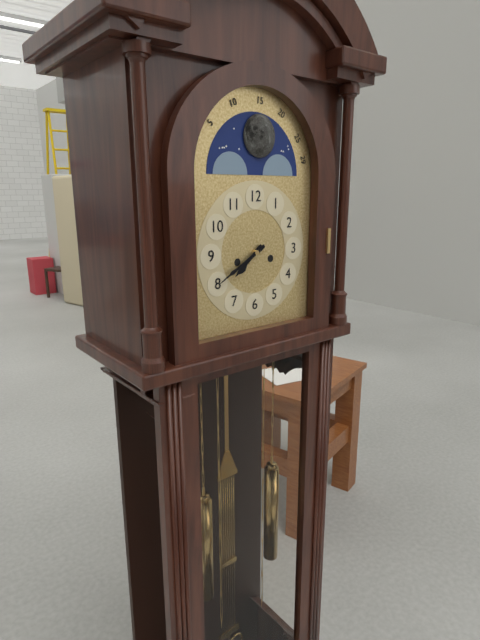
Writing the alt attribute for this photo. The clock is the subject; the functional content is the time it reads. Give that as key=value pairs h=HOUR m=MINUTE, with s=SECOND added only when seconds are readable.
h=7 m=40
